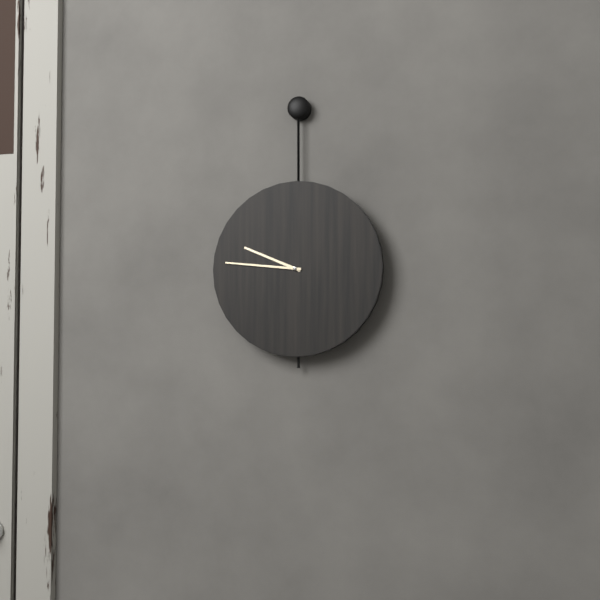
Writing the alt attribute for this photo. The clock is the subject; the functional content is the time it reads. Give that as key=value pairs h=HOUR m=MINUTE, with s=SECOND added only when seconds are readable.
h=9 m=46
